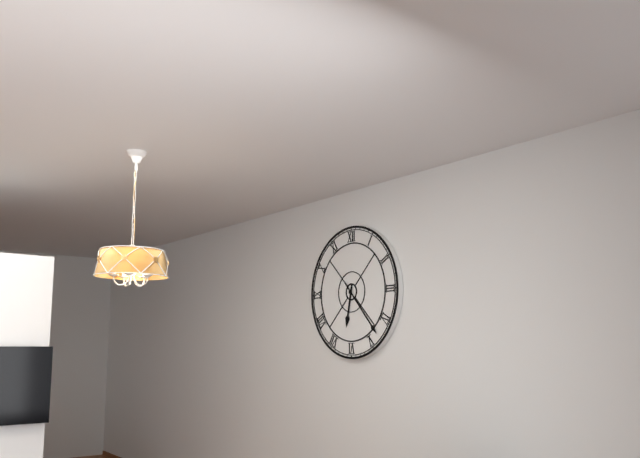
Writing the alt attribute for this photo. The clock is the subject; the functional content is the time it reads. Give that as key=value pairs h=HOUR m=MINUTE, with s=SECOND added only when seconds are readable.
h=6 m=23
